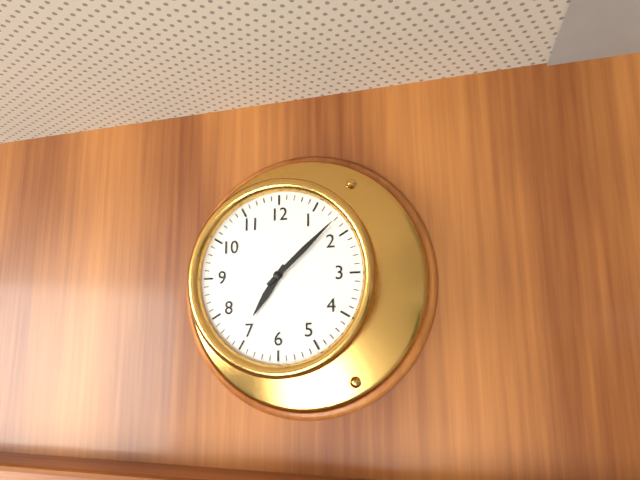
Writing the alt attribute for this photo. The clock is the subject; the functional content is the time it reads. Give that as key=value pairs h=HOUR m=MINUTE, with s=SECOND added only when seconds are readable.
h=7 m=8
